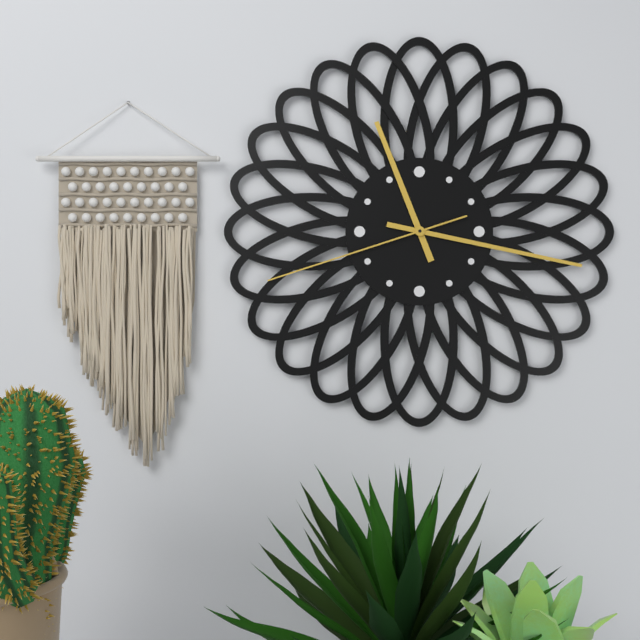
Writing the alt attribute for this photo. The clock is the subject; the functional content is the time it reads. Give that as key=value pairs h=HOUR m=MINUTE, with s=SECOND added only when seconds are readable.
h=11 m=17 s=42
